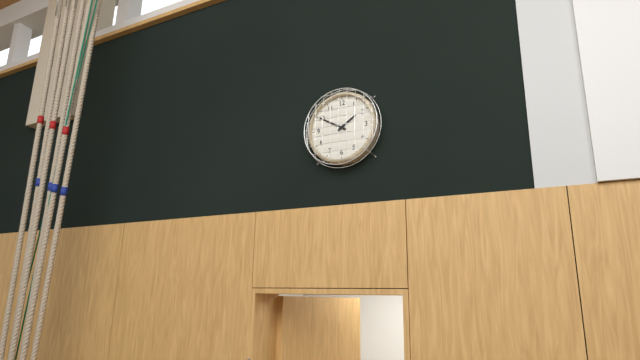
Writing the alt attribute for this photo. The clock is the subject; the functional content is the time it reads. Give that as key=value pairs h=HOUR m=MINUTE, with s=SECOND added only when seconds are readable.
h=1 m=50
